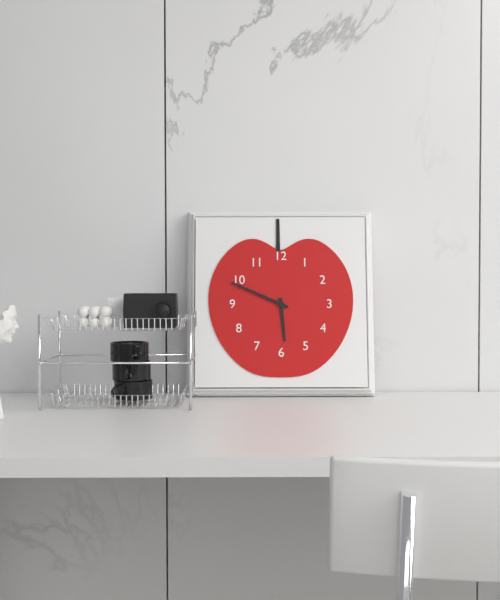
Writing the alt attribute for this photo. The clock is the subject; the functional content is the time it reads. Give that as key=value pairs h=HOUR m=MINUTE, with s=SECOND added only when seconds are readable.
h=5 m=49
